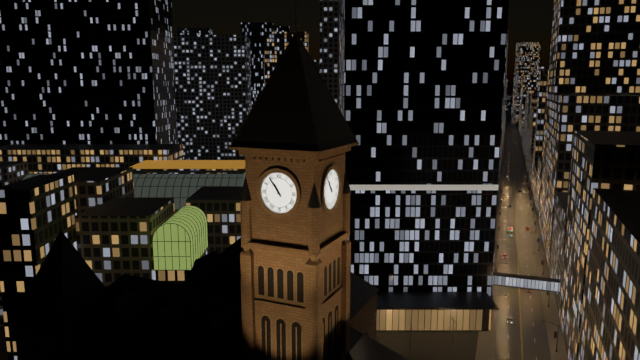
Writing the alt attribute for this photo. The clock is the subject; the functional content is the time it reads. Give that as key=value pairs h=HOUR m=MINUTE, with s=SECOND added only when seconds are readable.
h=10 m=54
